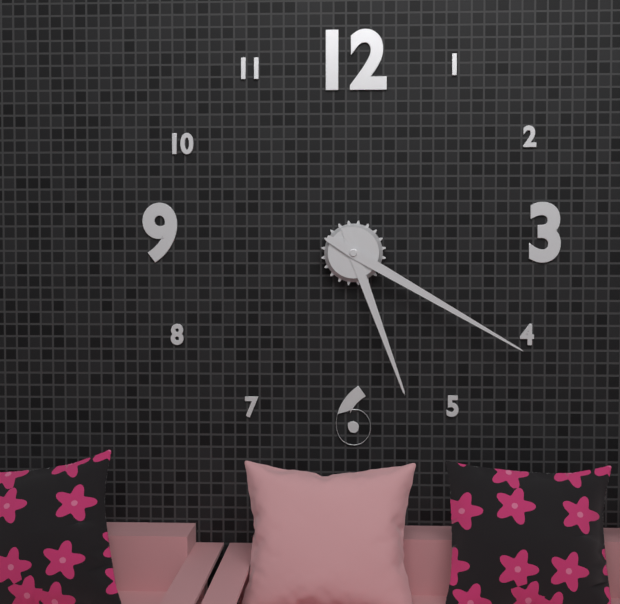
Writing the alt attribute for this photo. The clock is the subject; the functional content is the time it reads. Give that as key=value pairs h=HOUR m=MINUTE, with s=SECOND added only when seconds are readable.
h=5 m=20
